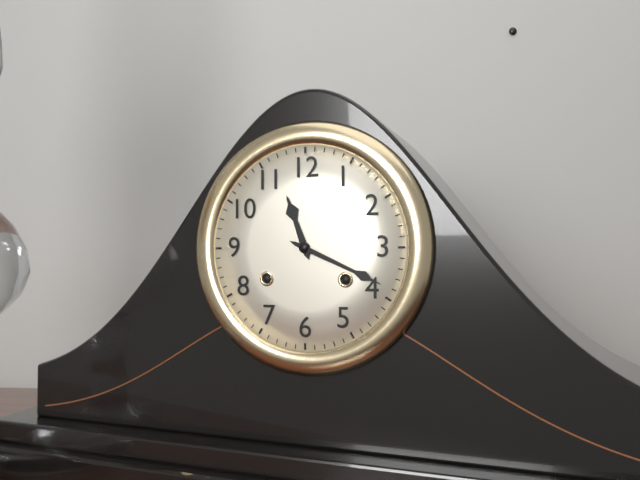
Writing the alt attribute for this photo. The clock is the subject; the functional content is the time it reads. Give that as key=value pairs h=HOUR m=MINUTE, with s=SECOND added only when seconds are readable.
h=11 m=19
